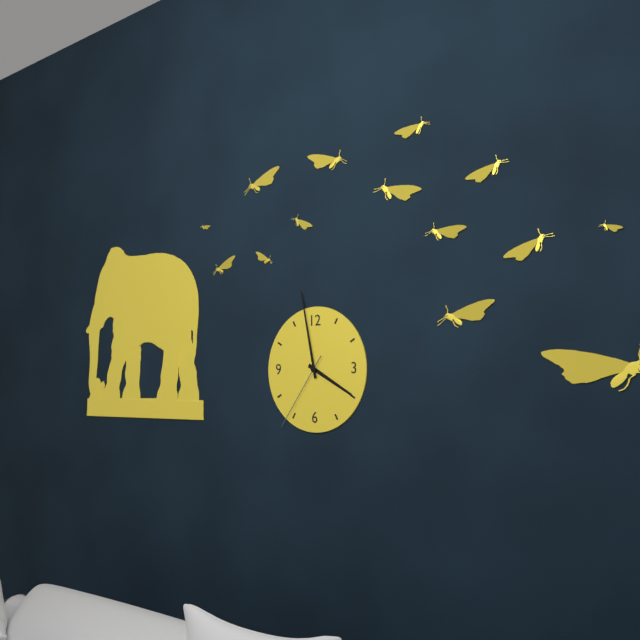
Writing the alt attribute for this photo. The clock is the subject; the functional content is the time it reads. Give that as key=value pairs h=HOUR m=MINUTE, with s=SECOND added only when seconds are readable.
h=3 m=58 s=36
